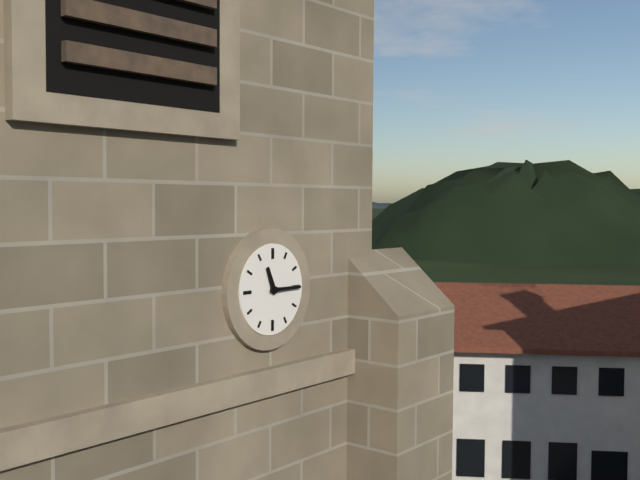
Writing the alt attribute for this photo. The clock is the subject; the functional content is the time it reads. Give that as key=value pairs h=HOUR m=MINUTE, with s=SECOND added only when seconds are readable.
h=11 m=15
